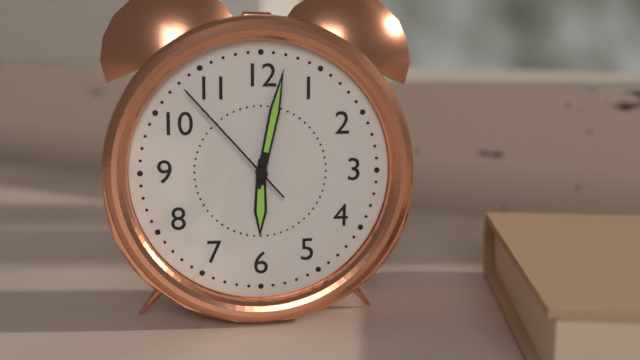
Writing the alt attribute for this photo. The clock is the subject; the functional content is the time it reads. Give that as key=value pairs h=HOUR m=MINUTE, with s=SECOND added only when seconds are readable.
h=6 m=2 s=53
